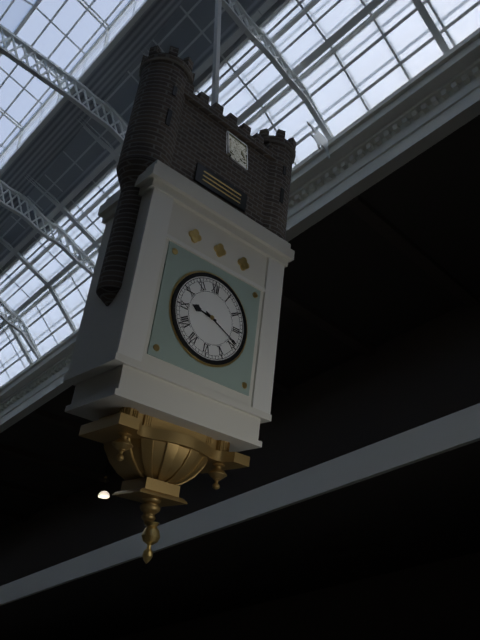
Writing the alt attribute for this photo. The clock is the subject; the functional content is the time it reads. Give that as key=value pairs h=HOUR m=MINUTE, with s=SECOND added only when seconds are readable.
h=9 m=19
